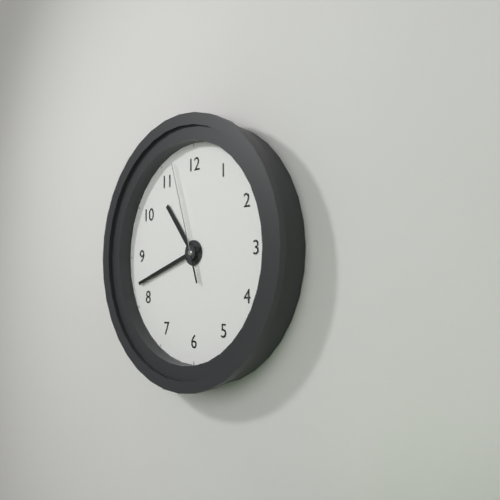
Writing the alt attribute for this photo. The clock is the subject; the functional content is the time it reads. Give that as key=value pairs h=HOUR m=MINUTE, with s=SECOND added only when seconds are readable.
h=10 m=42 s=57
